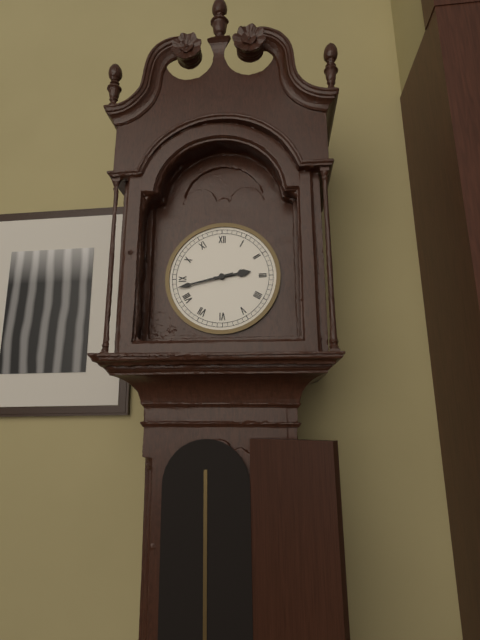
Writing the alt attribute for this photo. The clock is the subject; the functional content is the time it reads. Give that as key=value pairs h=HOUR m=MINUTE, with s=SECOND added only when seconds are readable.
h=2 m=43
